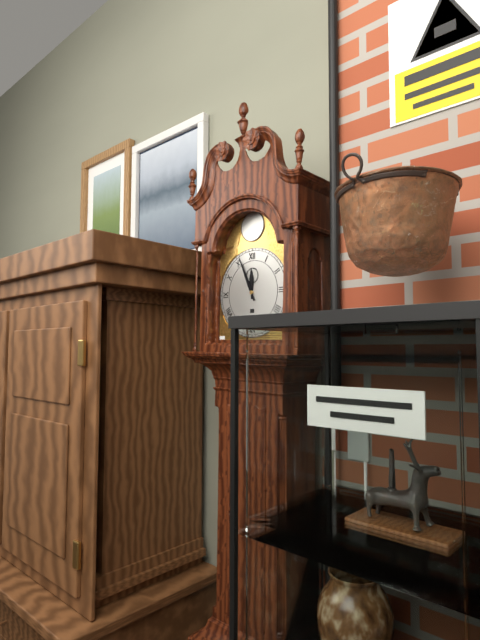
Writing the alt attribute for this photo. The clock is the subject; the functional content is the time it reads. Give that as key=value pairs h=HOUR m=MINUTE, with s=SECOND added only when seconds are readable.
h=11 m=56
